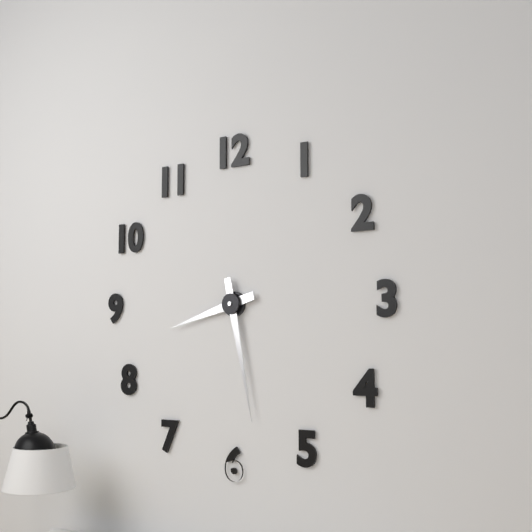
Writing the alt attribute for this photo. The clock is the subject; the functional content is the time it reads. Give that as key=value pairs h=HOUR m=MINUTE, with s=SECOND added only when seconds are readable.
h=8 m=28
